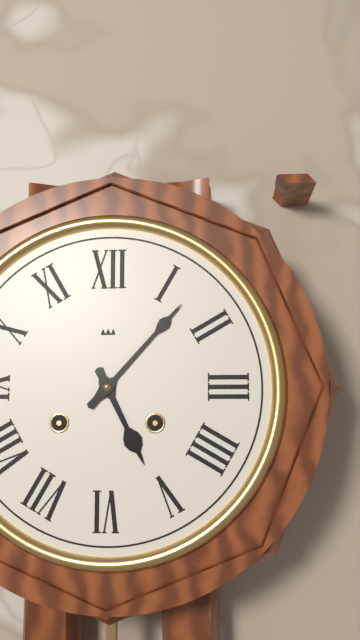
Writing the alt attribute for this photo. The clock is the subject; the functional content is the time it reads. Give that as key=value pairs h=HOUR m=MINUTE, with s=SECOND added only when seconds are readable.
h=5 m=7
